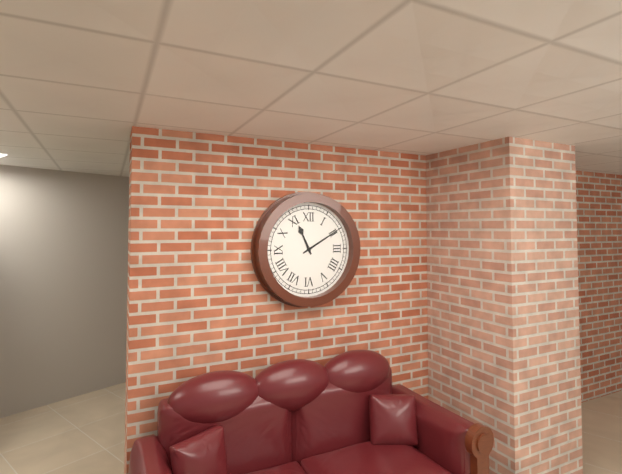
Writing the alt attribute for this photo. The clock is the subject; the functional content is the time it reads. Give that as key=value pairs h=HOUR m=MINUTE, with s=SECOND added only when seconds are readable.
h=11 m=10
